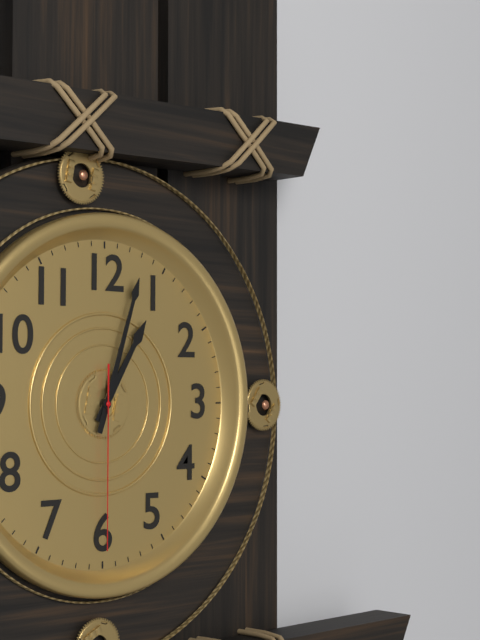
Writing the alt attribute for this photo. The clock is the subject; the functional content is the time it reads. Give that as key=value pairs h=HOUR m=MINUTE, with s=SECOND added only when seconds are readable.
h=1 m=3 s=30
